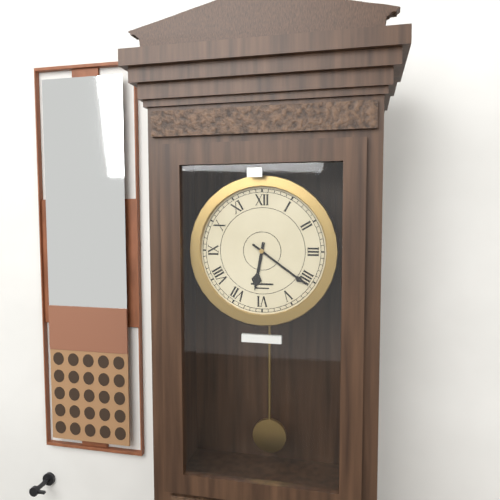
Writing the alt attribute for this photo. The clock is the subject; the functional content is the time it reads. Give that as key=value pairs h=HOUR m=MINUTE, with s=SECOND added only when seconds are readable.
h=6 m=21
